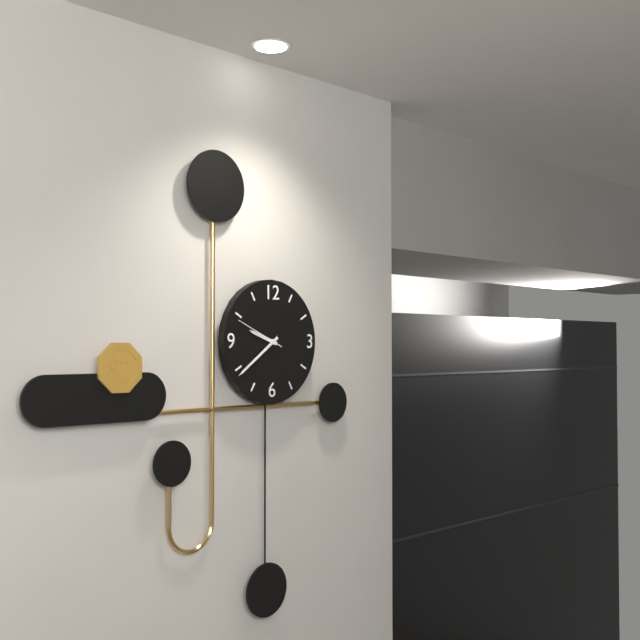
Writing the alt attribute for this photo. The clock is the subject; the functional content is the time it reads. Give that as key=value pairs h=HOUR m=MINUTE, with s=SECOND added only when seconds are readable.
h=9 m=39 s=49
